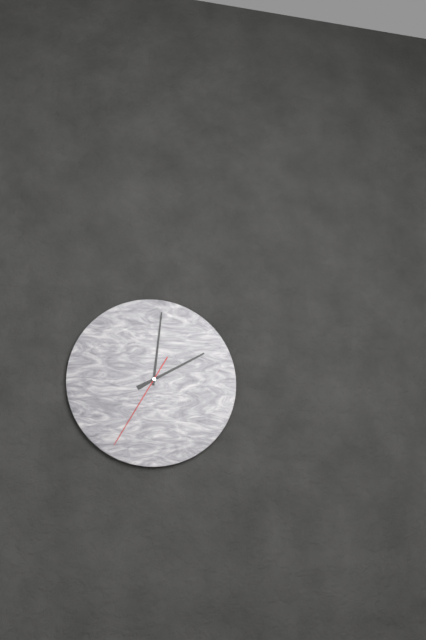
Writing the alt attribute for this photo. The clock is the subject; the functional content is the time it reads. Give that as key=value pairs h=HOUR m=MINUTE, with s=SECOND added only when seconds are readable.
h=2 m=1 s=35
